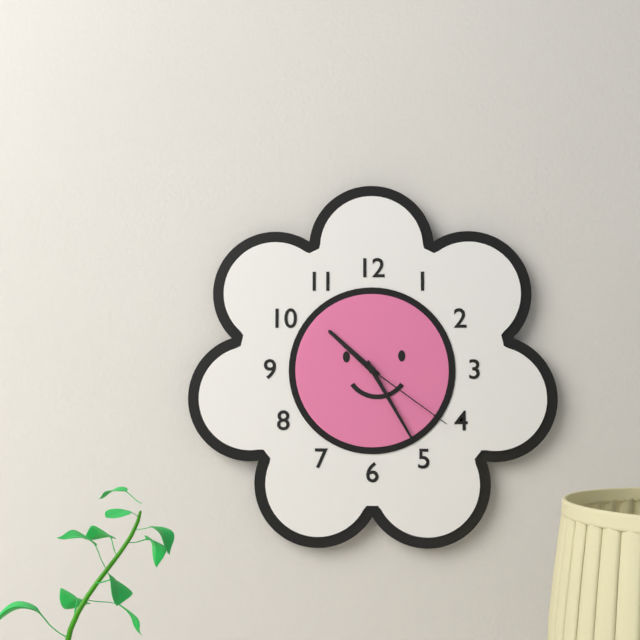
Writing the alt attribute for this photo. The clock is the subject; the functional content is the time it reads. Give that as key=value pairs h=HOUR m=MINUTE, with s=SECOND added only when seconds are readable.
h=10 m=25 s=21
